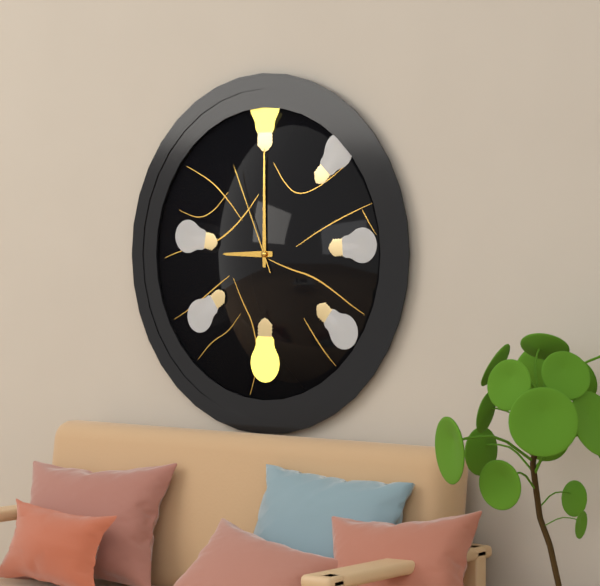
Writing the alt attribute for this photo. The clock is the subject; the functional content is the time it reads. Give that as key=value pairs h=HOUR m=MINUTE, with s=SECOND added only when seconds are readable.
h=9 m=0 s=56
